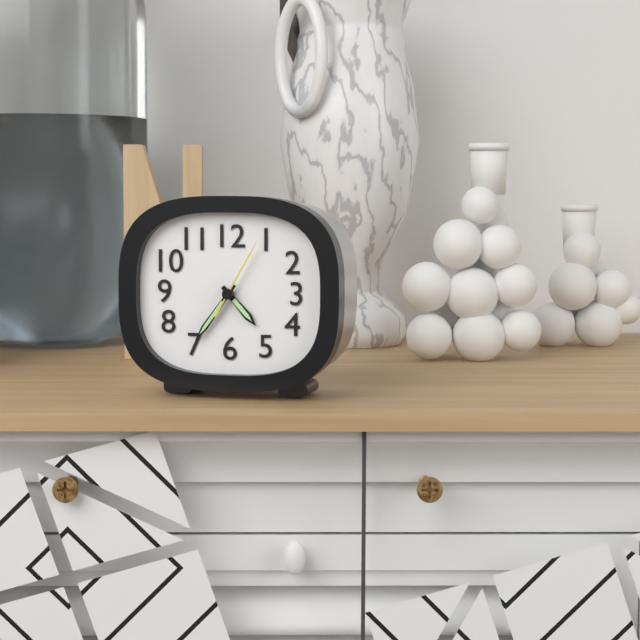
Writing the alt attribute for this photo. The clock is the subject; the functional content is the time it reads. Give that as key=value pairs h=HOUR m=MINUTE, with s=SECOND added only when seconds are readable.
h=4 m=36 s=5
